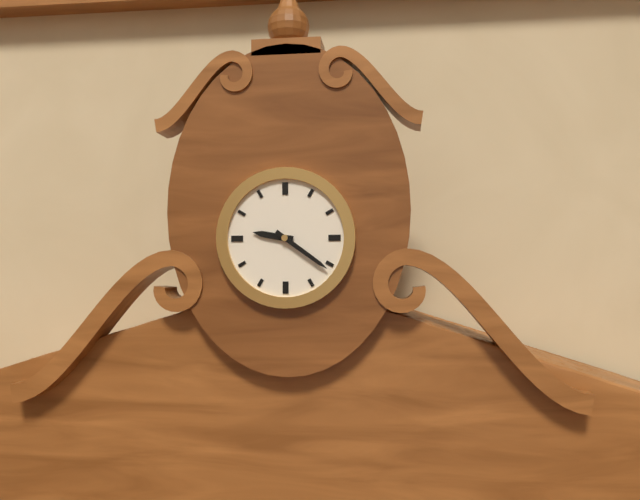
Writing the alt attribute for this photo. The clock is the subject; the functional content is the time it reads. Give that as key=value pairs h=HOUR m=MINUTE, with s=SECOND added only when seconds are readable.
h=9 m=21
